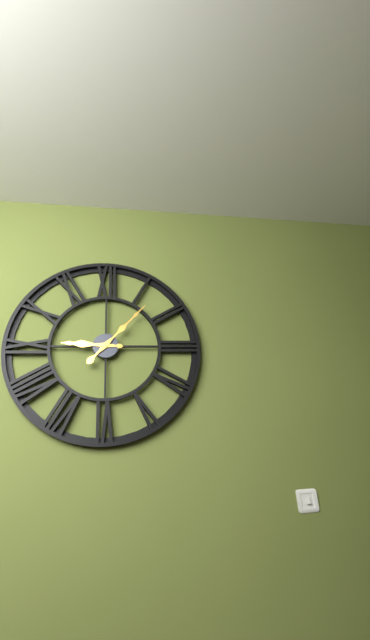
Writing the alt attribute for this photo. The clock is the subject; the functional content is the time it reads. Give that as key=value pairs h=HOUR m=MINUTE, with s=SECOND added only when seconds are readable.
h=9 m=7
